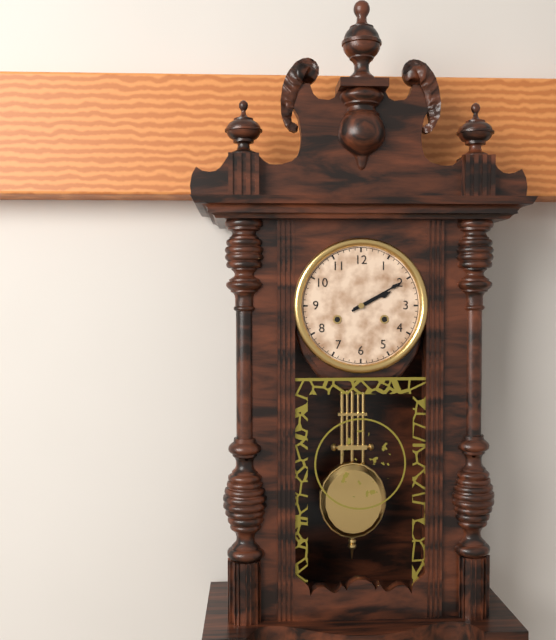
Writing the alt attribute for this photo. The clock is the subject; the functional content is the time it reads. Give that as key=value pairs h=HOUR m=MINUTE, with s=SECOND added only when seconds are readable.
h=2 m=10
